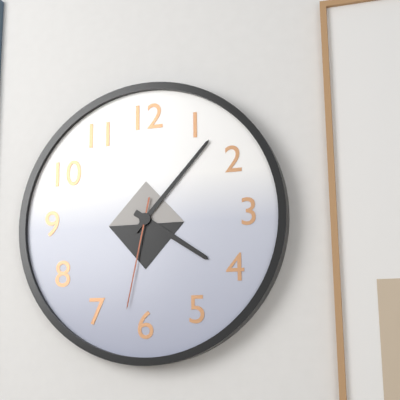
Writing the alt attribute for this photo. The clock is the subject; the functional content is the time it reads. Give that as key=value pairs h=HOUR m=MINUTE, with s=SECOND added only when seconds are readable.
h=4 m=7 s=32
